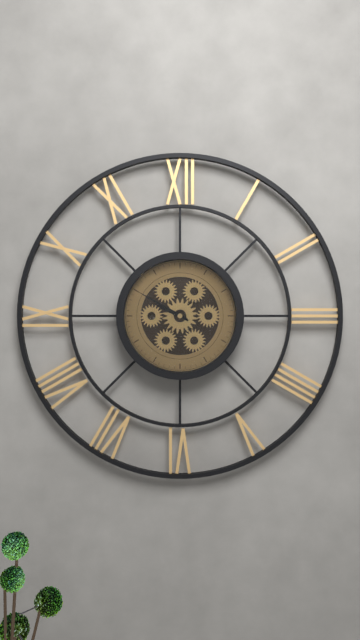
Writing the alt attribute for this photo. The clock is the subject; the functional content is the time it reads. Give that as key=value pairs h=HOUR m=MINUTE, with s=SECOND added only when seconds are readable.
h=9 m=50
